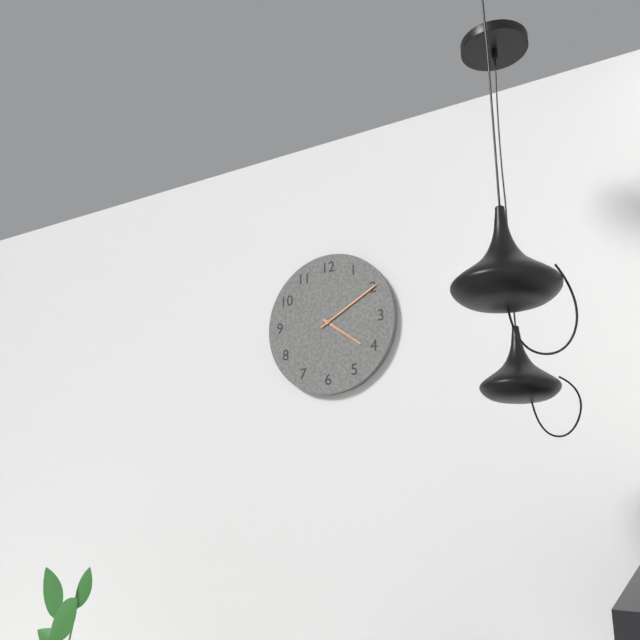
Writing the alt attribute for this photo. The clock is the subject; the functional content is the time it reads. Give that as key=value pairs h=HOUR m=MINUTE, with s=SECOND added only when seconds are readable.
h=4 m=10
